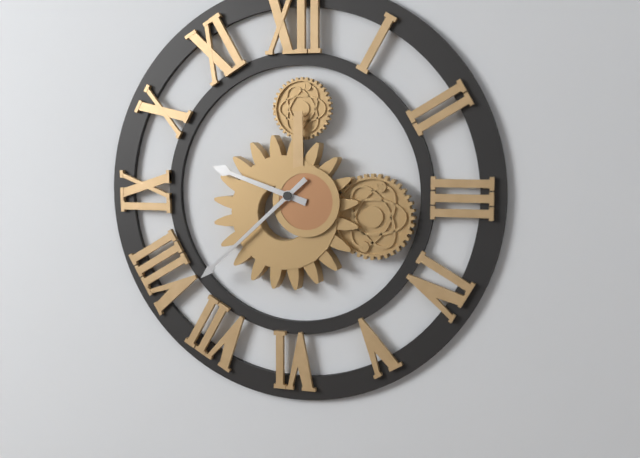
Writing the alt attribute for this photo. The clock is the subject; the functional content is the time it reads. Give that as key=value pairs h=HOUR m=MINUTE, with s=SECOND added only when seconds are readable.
h=9 m=38
